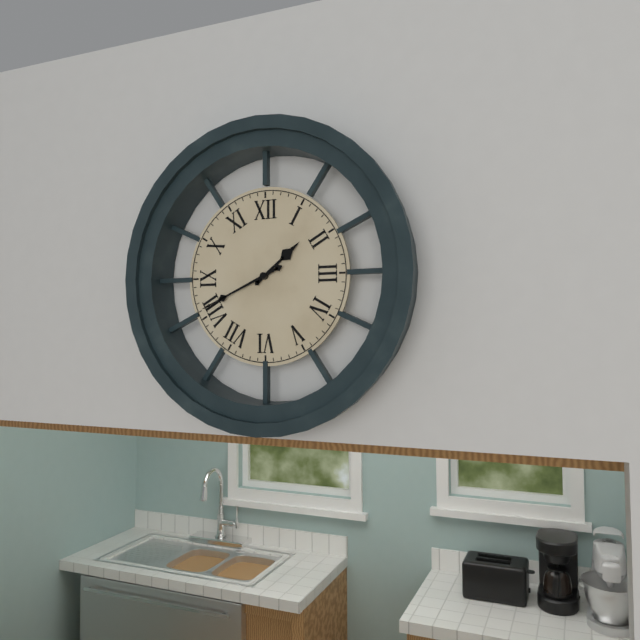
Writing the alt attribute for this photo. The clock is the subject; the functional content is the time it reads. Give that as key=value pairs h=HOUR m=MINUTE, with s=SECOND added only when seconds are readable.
h=1 m=41
